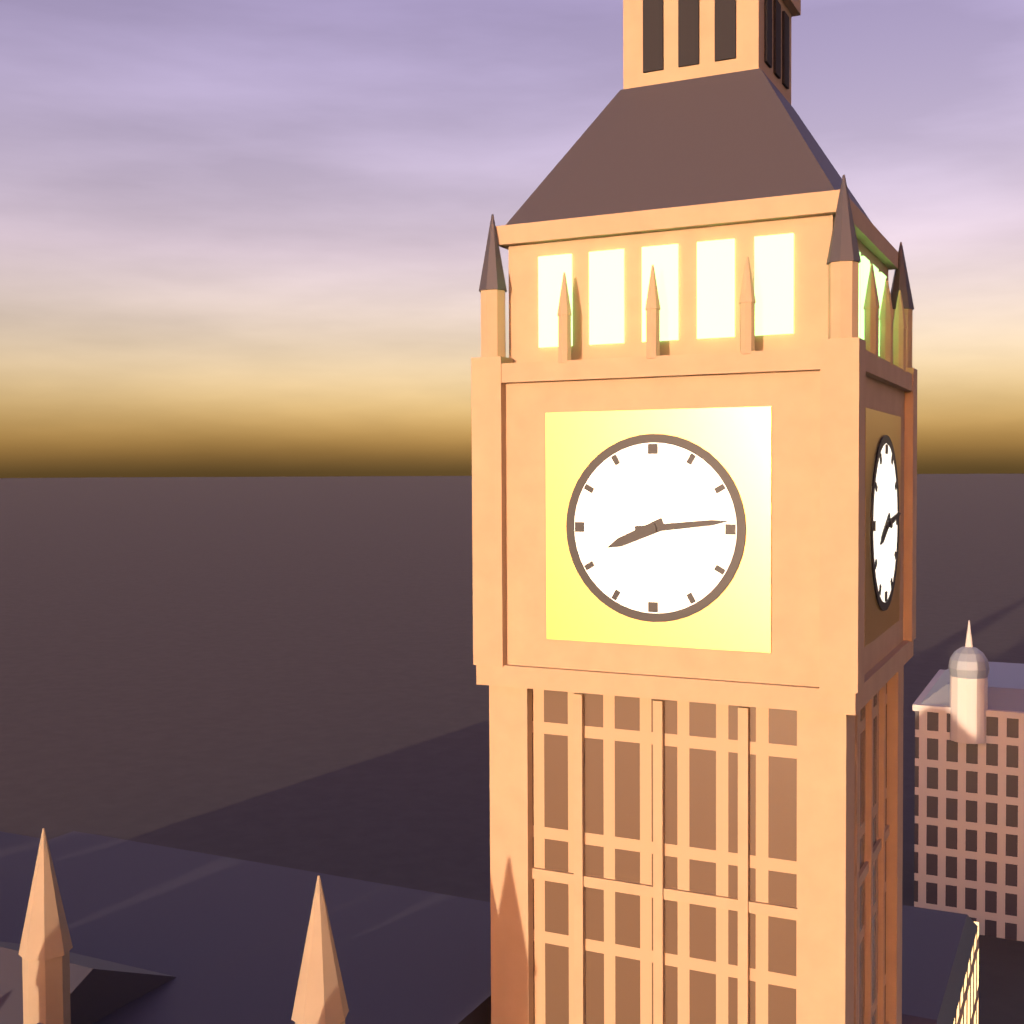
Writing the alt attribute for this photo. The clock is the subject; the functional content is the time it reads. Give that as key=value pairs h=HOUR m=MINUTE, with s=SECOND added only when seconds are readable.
h=8 m=14
